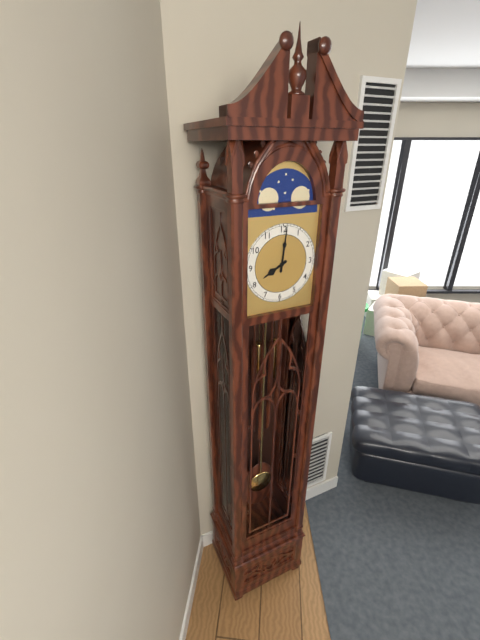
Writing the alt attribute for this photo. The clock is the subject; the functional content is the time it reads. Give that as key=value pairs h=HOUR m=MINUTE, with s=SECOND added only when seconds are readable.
h=8 m=1
